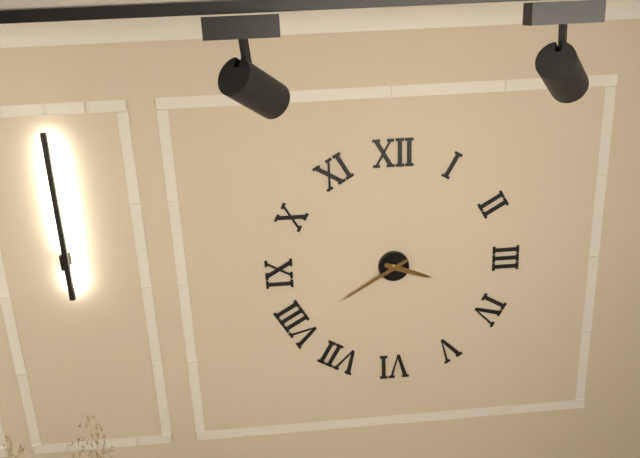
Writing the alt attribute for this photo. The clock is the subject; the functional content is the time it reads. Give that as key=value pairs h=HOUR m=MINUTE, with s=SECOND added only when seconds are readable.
h=3 m=40
